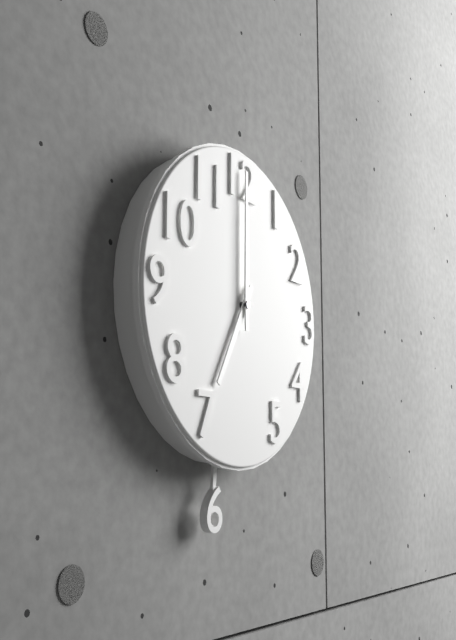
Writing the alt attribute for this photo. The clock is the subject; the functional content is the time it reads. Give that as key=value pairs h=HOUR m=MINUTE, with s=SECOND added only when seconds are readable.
h=7 m=0
